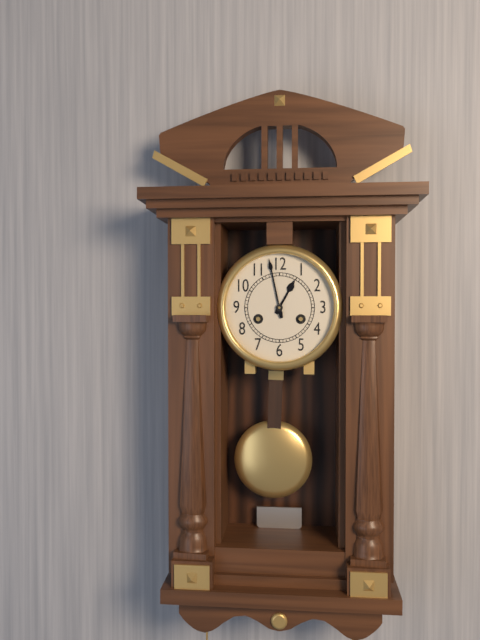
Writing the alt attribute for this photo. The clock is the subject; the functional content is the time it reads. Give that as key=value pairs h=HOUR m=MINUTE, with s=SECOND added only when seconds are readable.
h=12 m=58
